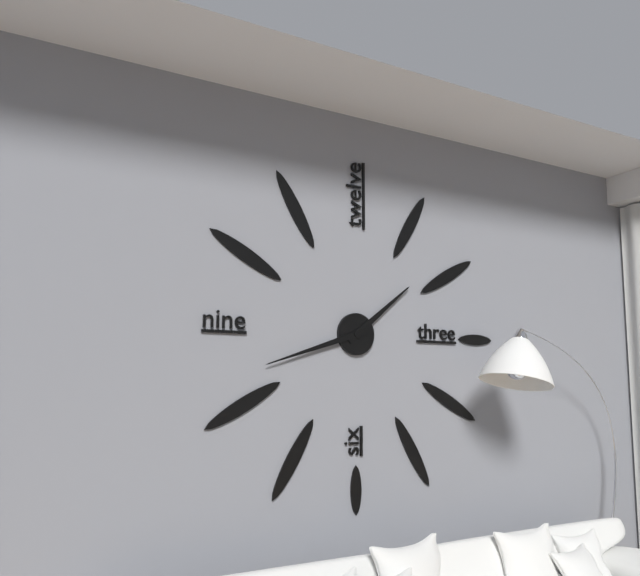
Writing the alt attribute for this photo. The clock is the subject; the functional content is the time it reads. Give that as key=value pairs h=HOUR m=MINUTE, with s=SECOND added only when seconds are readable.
h=1 m=42
